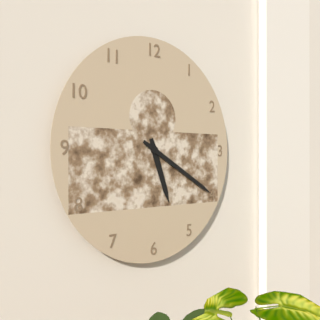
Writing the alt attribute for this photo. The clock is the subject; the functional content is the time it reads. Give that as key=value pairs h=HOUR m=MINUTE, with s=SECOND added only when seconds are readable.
h=5 m=20
